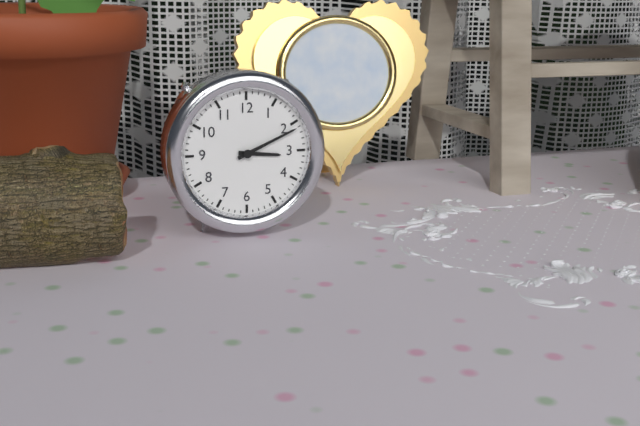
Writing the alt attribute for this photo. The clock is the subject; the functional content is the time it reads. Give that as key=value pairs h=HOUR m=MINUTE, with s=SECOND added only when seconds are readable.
h=3 m=11
